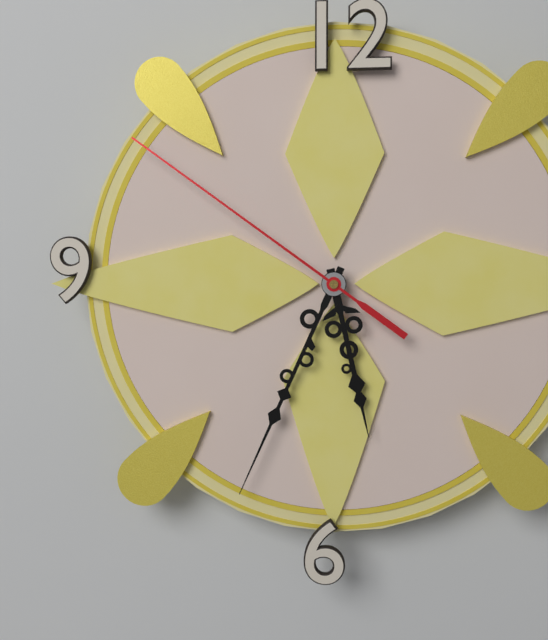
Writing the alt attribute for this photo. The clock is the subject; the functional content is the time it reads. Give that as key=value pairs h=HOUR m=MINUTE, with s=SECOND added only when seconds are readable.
h=5 m=34 s=51
